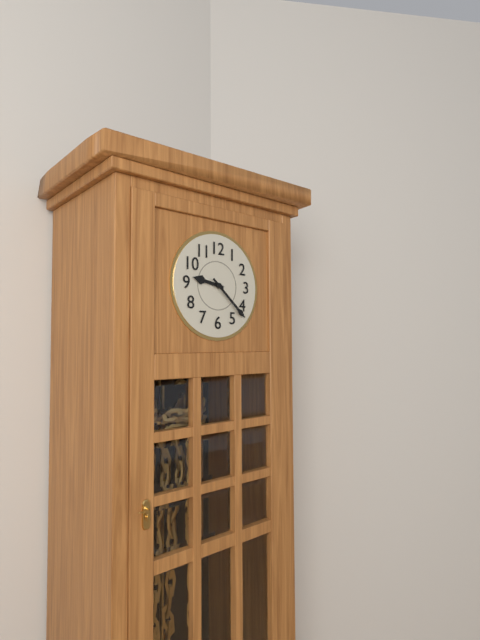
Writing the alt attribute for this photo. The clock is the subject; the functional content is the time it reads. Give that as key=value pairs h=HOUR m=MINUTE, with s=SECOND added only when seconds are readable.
h=9 m=22
